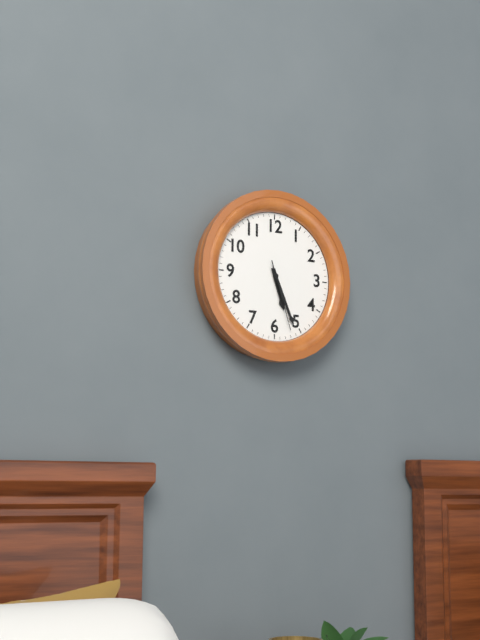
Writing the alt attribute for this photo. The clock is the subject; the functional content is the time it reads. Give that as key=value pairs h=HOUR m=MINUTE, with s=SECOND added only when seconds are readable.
h=5 m=26 s=27
